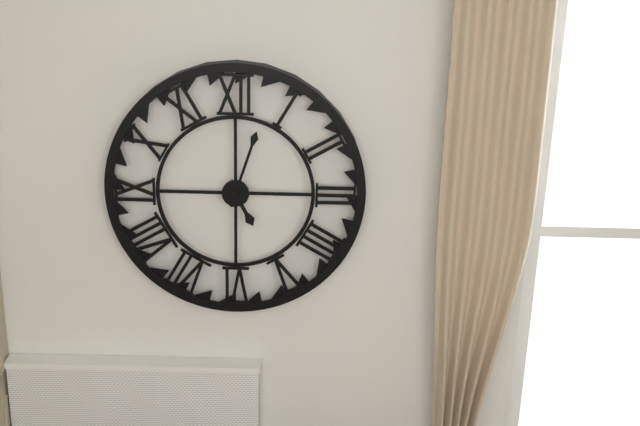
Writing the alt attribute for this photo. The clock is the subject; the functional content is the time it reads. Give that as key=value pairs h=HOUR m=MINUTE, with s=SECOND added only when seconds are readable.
h=5 m=3
